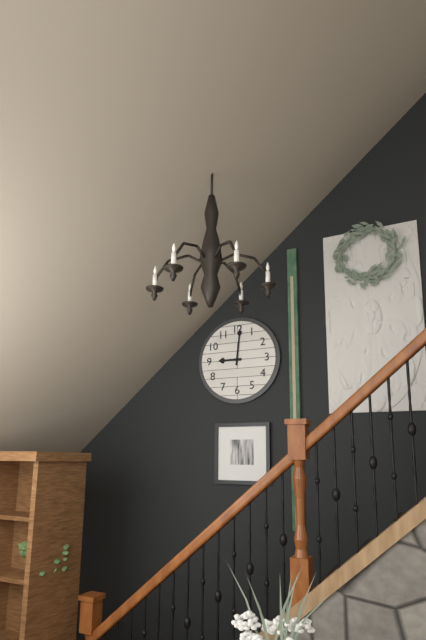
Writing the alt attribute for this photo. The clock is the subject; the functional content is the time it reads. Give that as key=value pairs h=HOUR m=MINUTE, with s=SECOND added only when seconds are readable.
h=9 m=1
